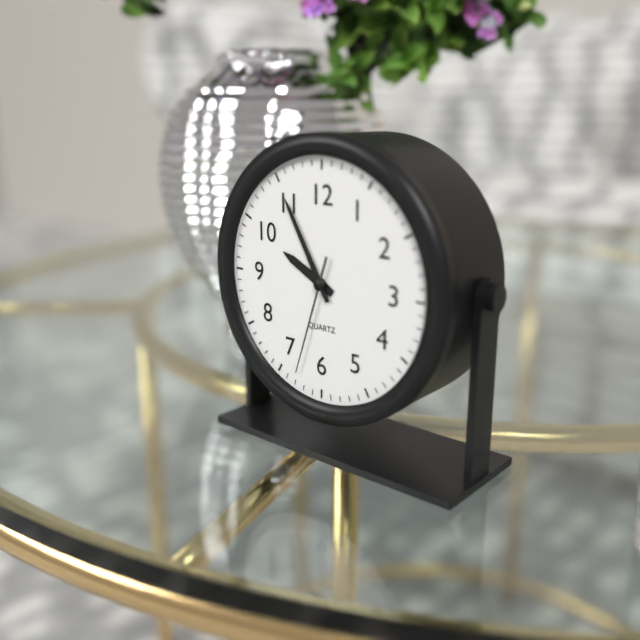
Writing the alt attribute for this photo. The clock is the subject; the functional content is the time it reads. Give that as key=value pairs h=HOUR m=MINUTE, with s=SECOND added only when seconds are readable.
h=9 m=55 s=33
